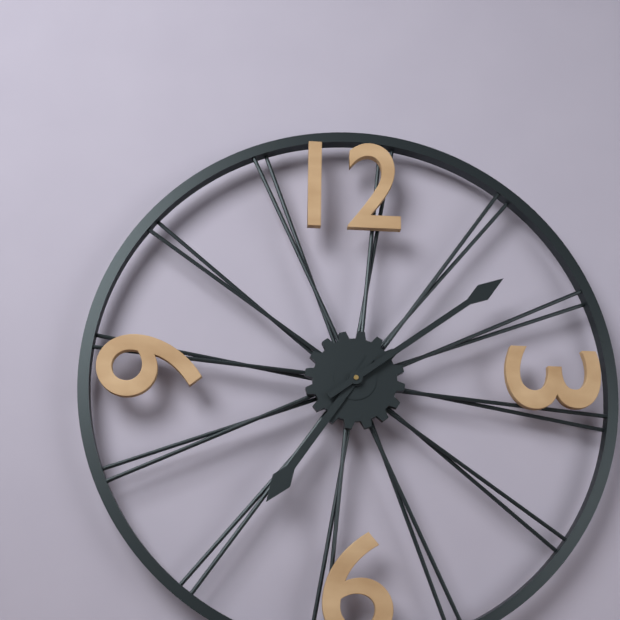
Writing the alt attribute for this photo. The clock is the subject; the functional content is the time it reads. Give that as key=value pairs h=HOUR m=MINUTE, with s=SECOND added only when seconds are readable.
h=7 m=9
